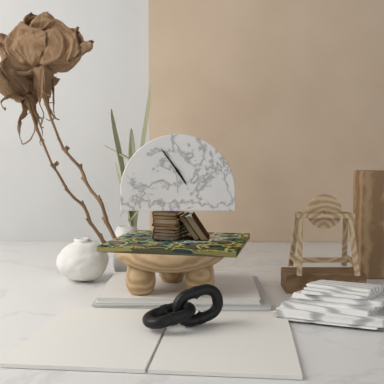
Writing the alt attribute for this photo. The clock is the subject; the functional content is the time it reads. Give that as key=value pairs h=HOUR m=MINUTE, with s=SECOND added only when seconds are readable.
h=4 m=54
